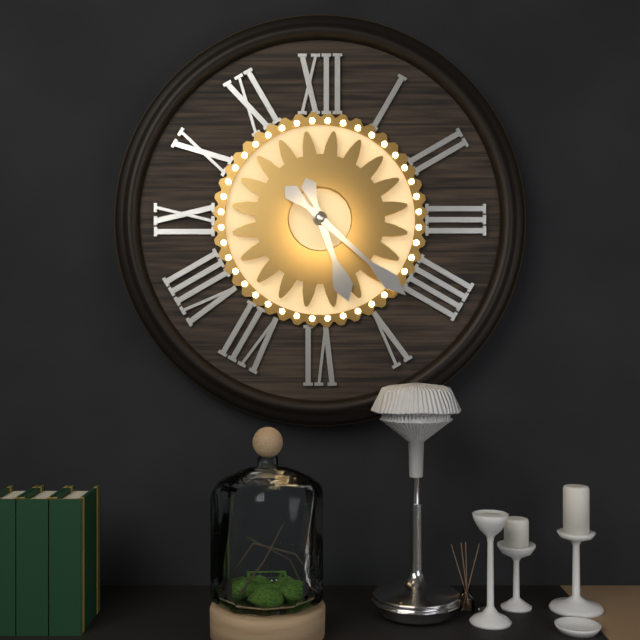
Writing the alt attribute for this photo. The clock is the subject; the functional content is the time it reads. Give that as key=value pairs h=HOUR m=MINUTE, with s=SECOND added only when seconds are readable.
h=5 m=22
